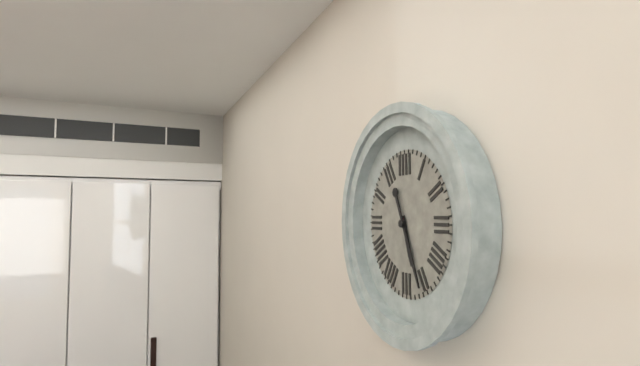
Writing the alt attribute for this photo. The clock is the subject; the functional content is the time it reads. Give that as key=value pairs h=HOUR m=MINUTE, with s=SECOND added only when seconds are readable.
h=5 m=26
